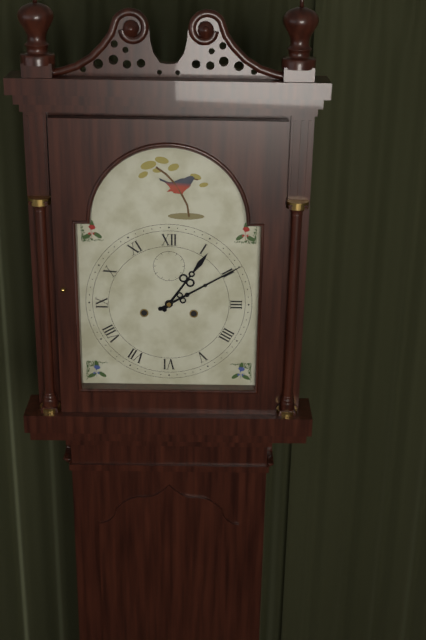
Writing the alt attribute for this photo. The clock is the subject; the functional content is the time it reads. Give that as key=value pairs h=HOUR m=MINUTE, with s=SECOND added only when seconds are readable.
h=1 m=10
